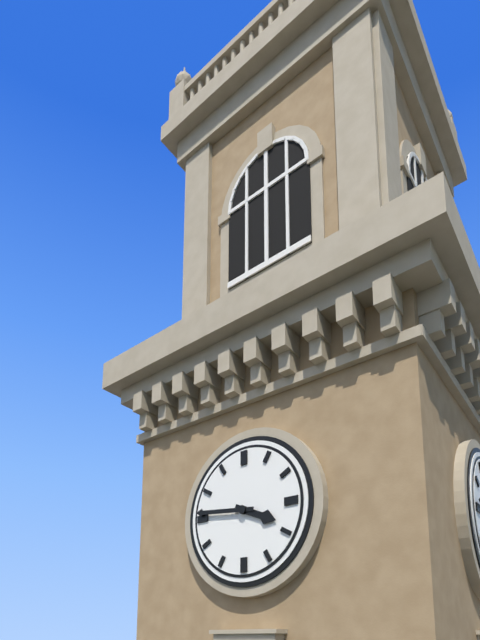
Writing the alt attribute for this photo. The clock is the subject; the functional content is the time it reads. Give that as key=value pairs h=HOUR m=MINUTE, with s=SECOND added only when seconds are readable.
h=3 m=46
